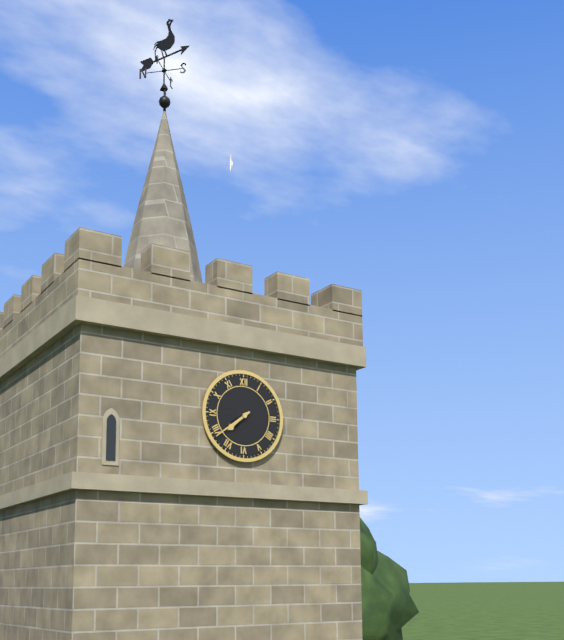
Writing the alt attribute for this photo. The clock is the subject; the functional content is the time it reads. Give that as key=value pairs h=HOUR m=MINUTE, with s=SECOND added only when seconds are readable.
h=7 m=39
